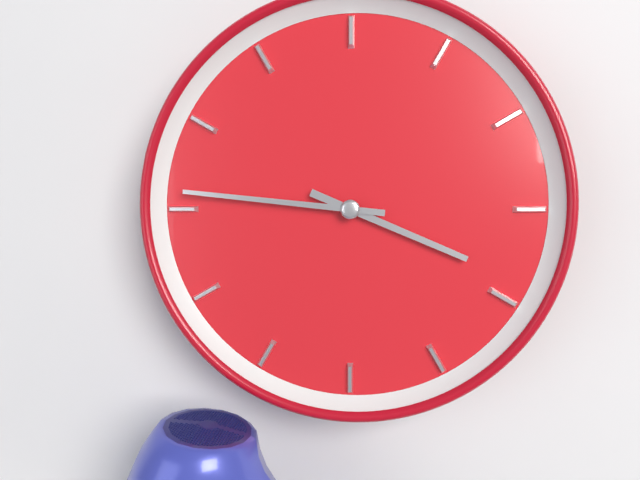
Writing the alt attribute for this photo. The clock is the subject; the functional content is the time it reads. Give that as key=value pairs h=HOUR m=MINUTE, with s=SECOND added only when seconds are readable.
h=3 m=46
